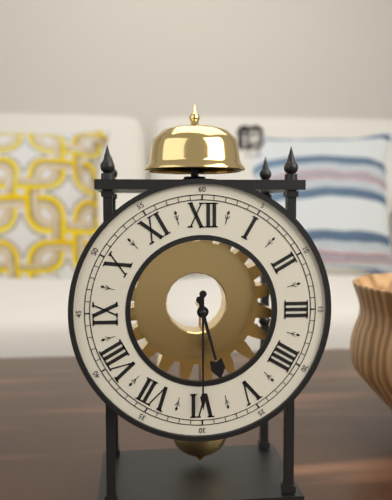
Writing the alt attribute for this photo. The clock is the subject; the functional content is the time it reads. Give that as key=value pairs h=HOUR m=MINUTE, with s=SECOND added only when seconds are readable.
h=5 m=30
